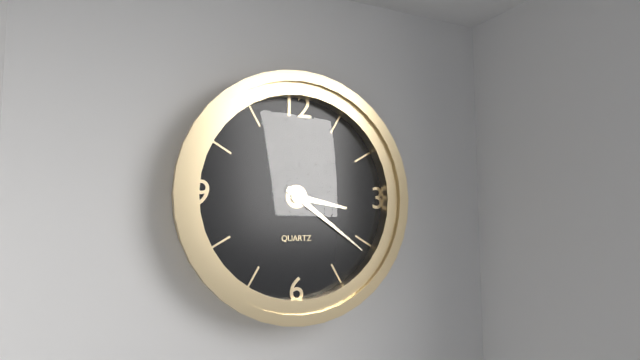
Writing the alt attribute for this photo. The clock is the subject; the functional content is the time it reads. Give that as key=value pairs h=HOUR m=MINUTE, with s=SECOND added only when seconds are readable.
h=3 m=21
